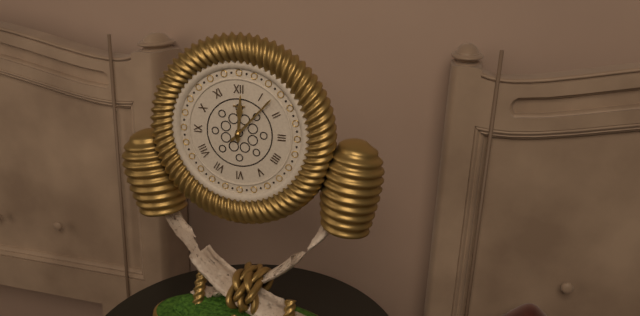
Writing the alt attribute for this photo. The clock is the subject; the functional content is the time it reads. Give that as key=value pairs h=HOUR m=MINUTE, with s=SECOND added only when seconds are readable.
h=12 m=7
